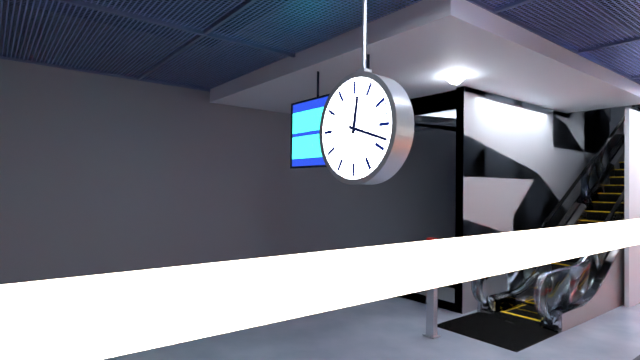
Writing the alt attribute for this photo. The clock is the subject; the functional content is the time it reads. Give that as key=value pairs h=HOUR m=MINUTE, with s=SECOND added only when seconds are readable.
h=12 m=18
